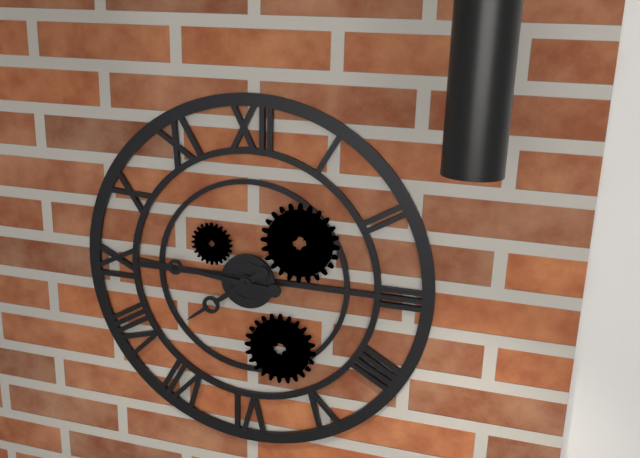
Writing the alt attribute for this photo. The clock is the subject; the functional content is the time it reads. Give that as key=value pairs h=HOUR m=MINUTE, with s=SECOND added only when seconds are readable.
h=7 m=46
